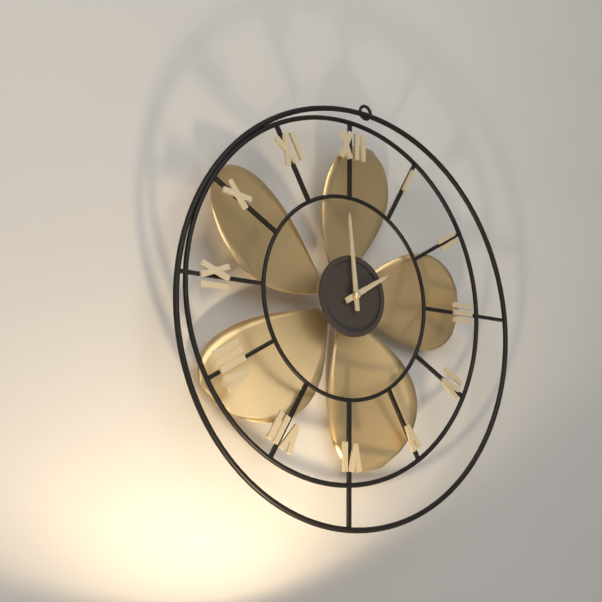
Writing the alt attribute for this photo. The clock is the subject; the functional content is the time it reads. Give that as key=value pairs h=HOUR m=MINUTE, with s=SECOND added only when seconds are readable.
h=1 m=59
